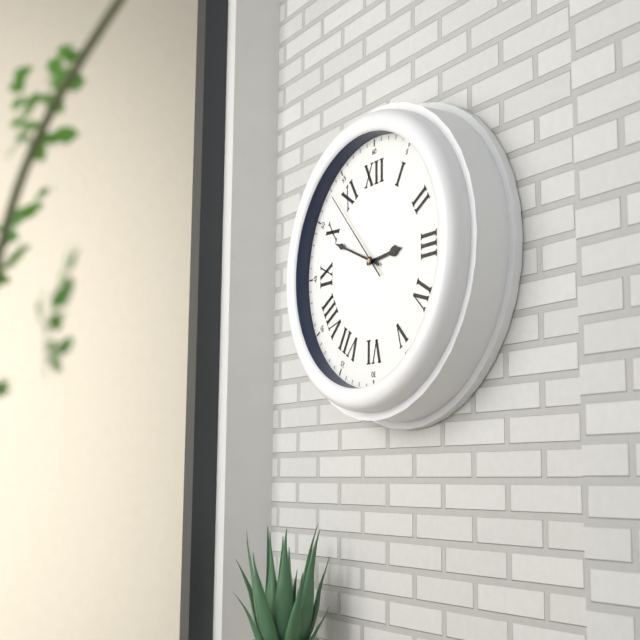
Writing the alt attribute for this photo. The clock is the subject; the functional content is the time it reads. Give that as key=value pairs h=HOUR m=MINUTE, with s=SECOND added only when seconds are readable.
h=2 m=49 s=53
